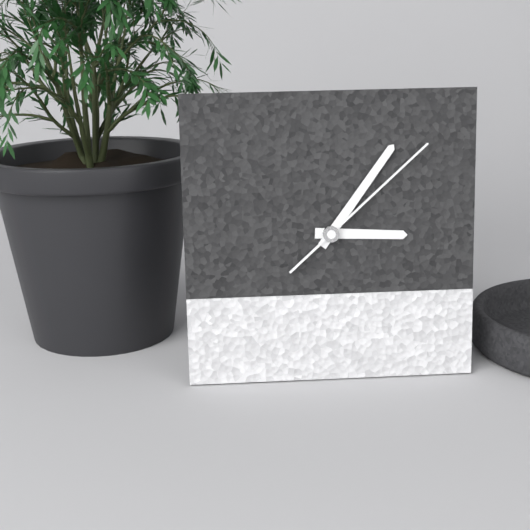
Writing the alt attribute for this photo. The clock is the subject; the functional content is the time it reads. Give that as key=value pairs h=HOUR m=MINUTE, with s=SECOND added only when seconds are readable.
h=3 m=6 s=8
